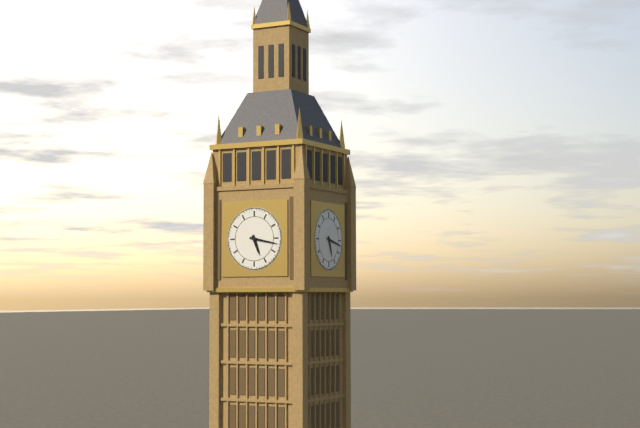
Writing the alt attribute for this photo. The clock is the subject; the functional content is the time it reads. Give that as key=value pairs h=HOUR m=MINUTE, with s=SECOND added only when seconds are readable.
h=5 m=17
